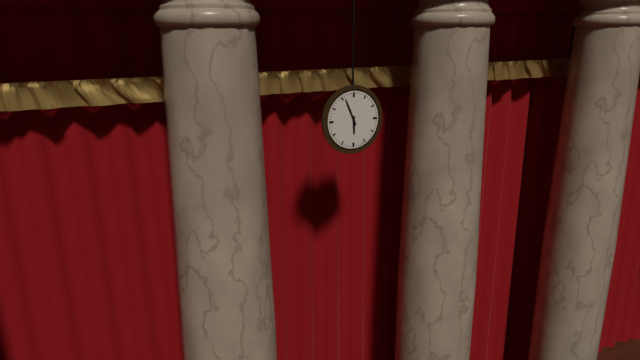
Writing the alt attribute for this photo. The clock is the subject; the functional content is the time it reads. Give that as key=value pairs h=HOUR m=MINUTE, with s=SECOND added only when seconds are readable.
h=5 m=56
